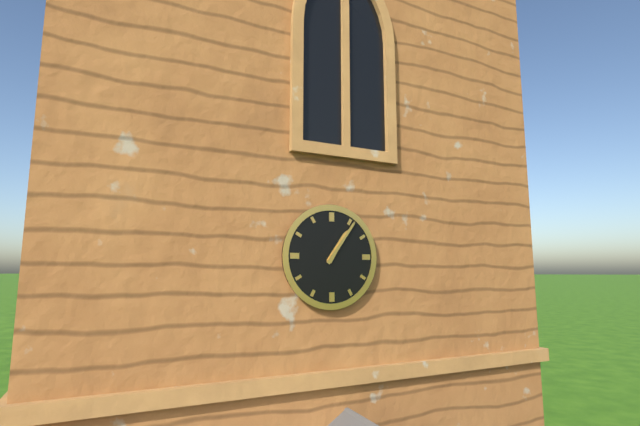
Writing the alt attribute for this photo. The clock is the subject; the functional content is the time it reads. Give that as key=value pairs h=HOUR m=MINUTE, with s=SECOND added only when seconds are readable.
h=1 m=6
